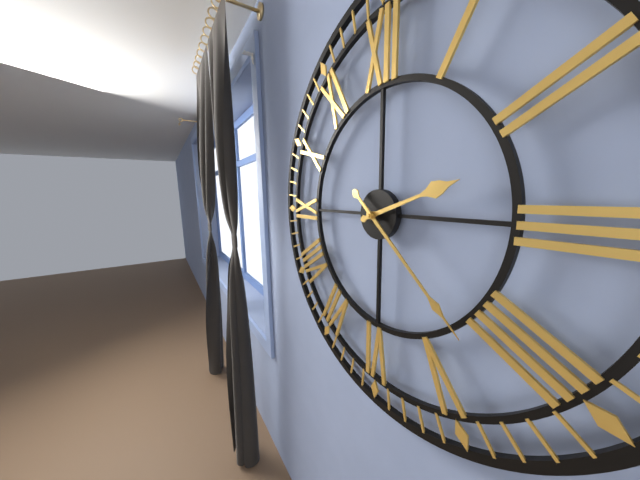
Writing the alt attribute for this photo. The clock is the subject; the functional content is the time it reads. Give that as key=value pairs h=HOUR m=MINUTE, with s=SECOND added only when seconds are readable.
h=2 m=22
